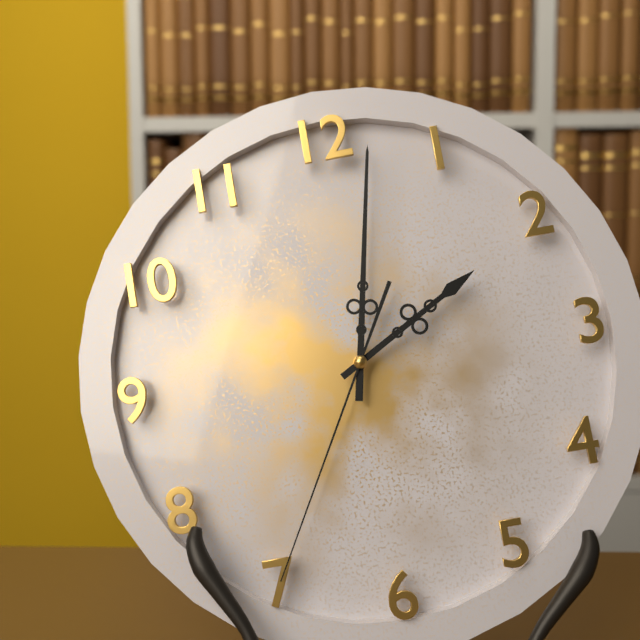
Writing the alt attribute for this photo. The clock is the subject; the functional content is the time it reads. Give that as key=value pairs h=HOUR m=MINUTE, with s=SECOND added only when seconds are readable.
h=2 m=2 s=35
